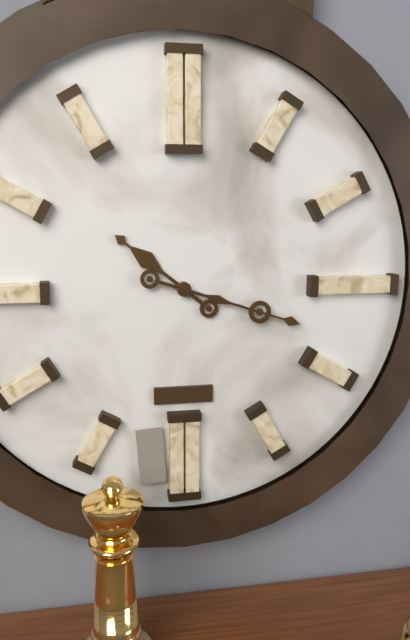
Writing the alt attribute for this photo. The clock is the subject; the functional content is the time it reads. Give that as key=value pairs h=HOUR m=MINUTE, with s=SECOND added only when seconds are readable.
h=10 m=18
